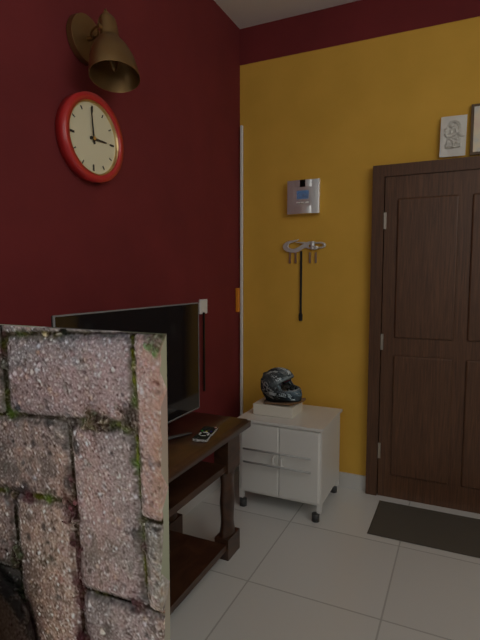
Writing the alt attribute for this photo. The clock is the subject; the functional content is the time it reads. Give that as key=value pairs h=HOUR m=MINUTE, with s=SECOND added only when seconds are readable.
h=2 m=59
